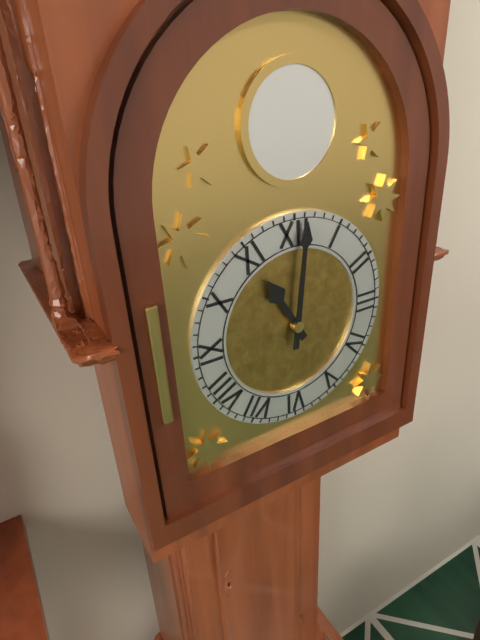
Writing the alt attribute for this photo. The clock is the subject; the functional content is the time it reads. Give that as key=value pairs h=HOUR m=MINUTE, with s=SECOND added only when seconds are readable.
h=11 m=1
